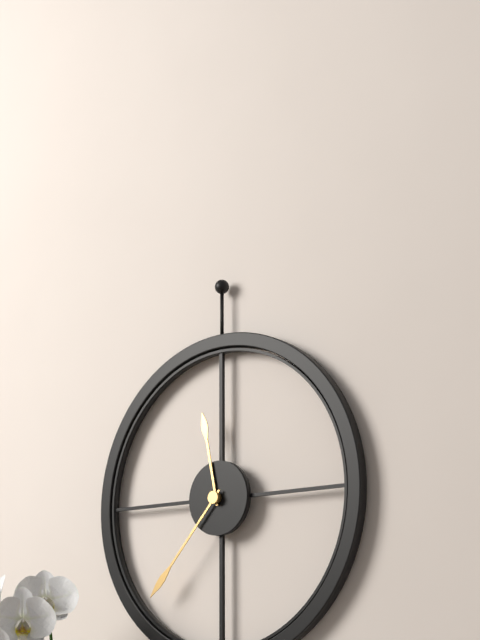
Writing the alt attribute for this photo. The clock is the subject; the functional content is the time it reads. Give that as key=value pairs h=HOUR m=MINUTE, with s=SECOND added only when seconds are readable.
h=11 m=37
